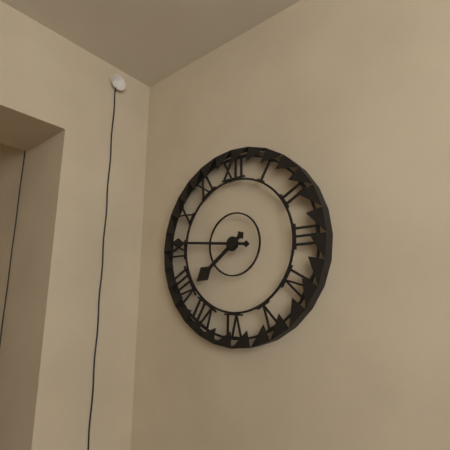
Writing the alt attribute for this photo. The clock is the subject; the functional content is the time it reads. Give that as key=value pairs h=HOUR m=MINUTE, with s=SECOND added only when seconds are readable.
h=7 m=46
